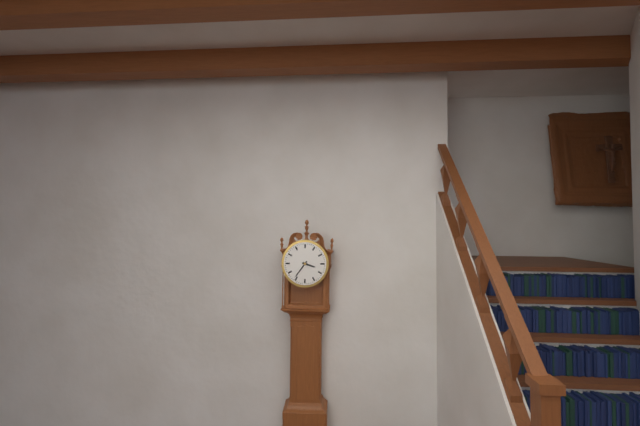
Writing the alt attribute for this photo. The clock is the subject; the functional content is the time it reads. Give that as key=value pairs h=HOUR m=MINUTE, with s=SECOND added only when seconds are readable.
h=3 m=36
